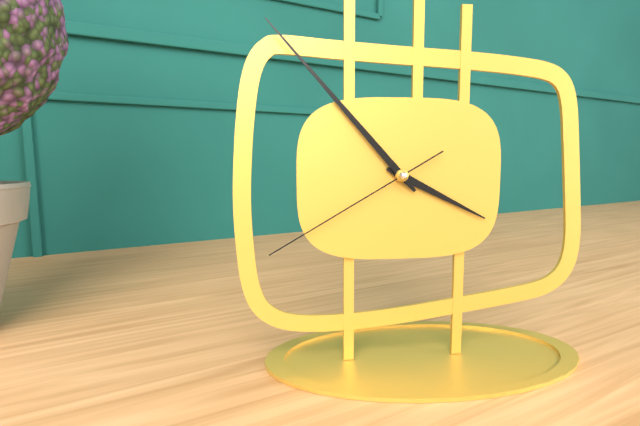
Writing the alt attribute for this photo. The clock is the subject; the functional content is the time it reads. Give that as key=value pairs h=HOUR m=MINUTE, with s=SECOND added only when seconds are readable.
h=3 m=53 s=40
